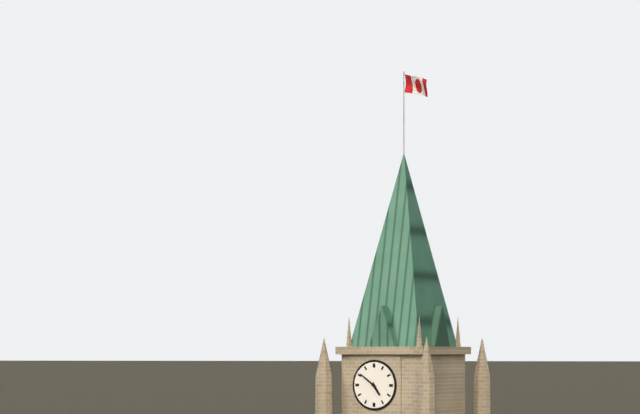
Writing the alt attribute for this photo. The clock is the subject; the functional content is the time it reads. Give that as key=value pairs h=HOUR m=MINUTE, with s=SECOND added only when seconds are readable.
h=4 m=51
